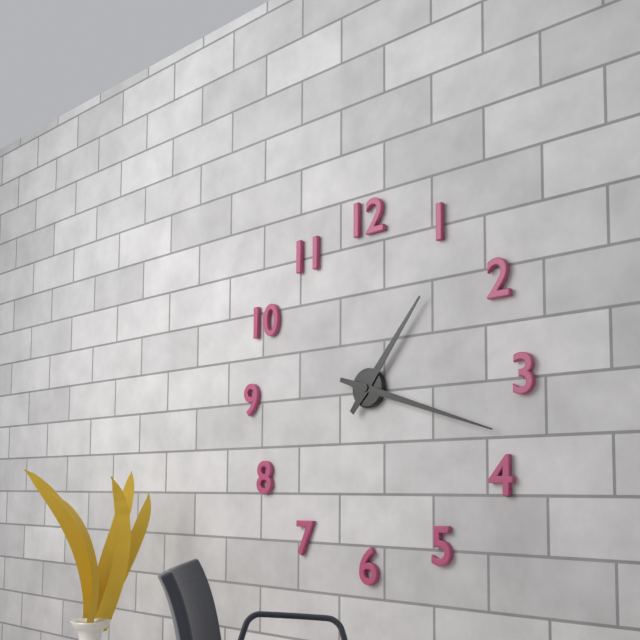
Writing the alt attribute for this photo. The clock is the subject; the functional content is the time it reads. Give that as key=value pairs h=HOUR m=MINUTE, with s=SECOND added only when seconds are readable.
h=1 m=18
